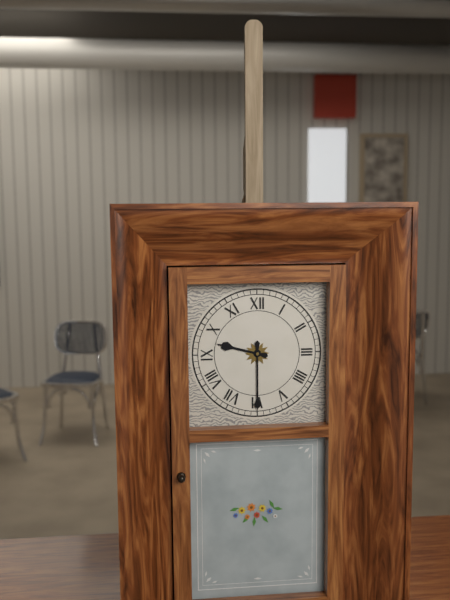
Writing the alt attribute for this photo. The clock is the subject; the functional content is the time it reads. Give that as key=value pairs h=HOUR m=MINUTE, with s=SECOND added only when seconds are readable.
h=9 m=30
